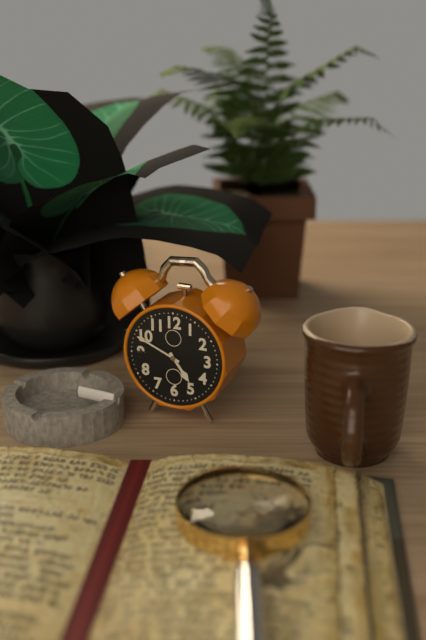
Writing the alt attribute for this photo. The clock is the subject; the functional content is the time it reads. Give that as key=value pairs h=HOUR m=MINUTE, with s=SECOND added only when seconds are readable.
h=4 m=49
